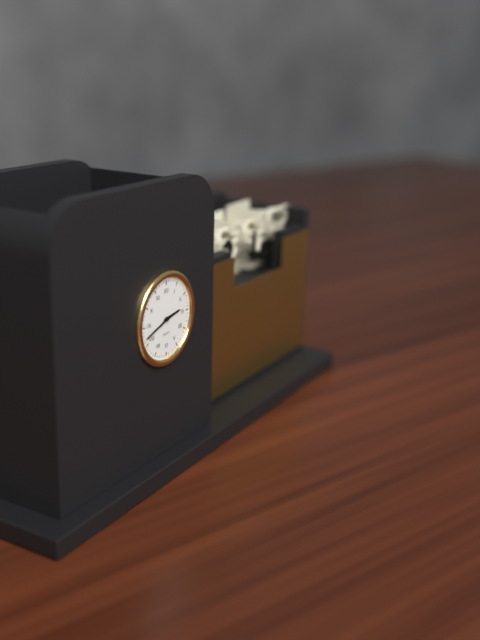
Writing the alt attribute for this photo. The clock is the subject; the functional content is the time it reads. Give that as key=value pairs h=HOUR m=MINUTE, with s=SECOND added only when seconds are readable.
h=2 m=42
